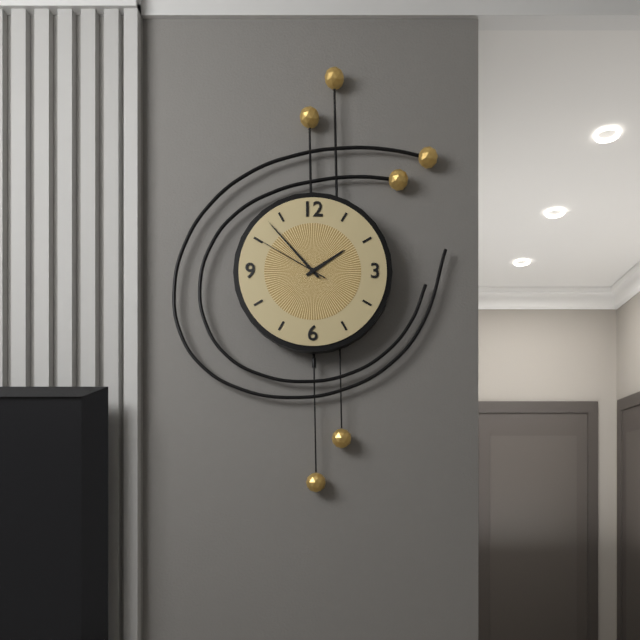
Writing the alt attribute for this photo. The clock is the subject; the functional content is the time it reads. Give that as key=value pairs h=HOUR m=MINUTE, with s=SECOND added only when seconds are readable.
h=1 m=53 s=50
